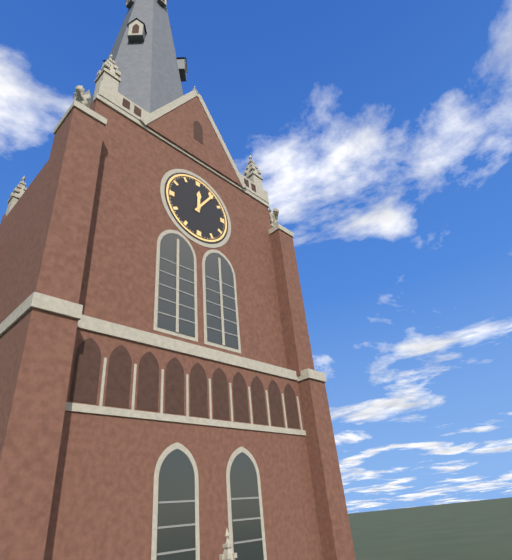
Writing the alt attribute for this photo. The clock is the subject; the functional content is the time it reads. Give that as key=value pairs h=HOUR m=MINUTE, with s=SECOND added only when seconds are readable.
h=12 m=6
